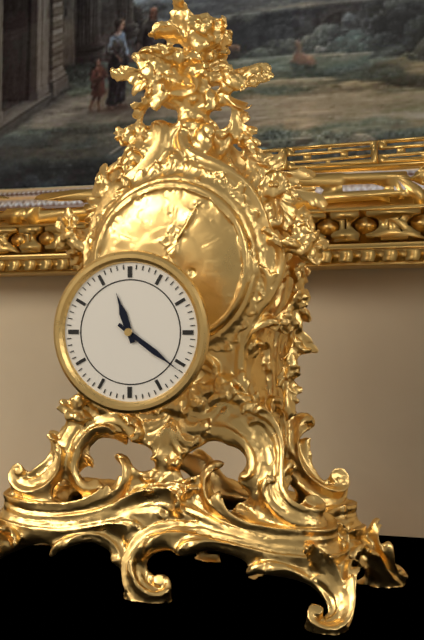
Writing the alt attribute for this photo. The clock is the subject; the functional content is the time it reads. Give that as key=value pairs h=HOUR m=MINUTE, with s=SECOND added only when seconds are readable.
h=11 m=21
